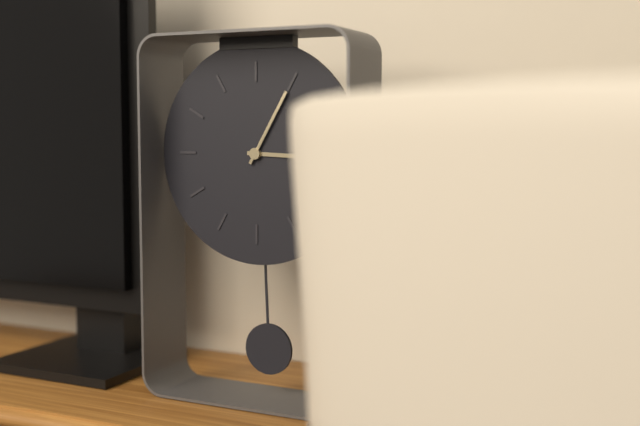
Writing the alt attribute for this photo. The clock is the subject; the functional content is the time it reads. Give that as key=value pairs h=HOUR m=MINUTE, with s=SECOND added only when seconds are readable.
h=3 m=5
